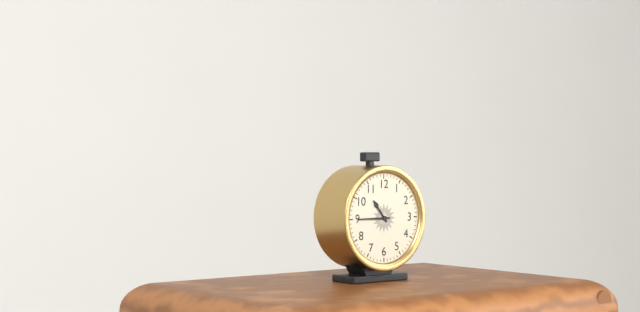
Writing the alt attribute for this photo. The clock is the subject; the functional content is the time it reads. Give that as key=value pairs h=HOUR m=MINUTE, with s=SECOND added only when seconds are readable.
h=10 m=45
